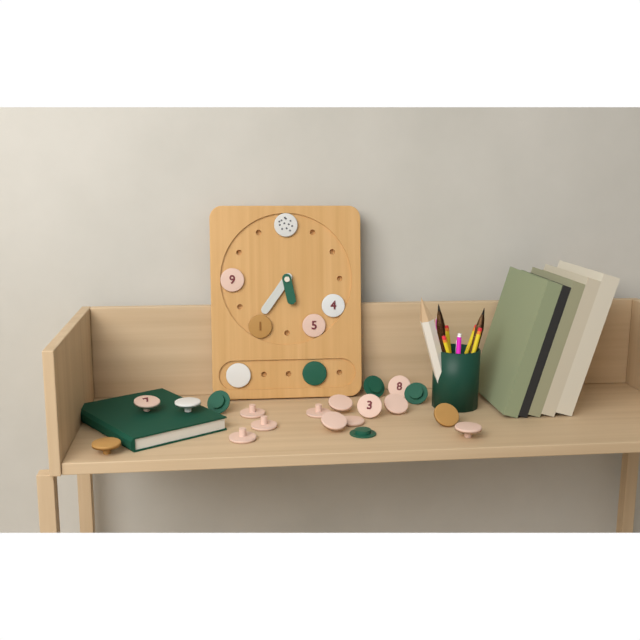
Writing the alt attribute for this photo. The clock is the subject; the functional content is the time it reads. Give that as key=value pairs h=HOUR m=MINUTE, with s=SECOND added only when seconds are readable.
h=5 m=36
